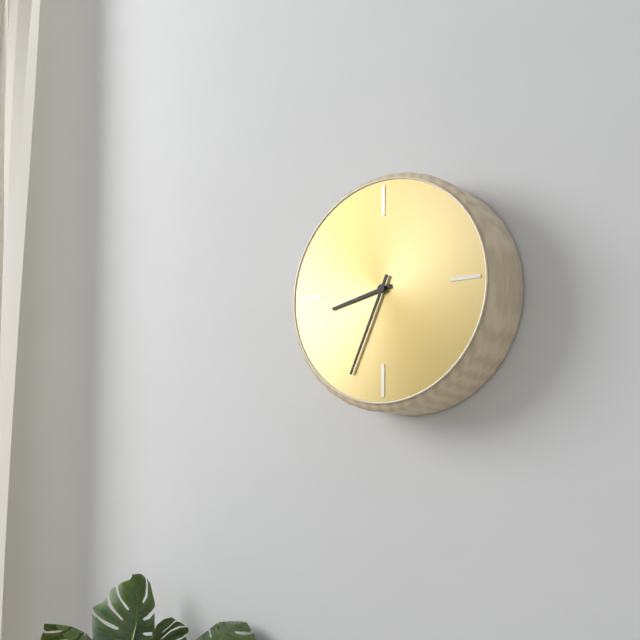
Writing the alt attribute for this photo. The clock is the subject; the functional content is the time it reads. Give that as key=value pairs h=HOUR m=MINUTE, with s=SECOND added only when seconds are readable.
h=8 m=34
